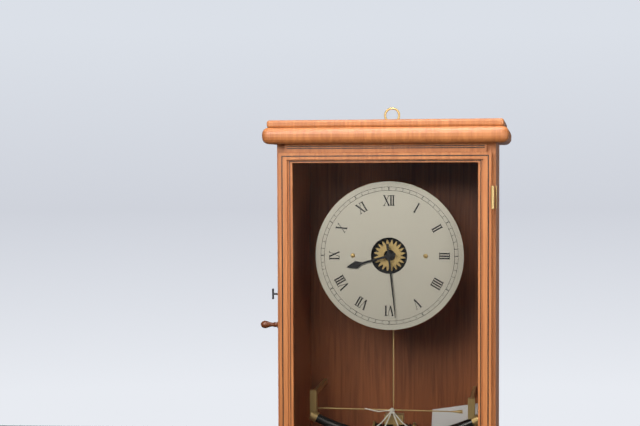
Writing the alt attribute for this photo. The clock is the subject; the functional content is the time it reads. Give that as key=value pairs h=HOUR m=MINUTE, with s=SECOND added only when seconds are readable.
h=8 m=29
